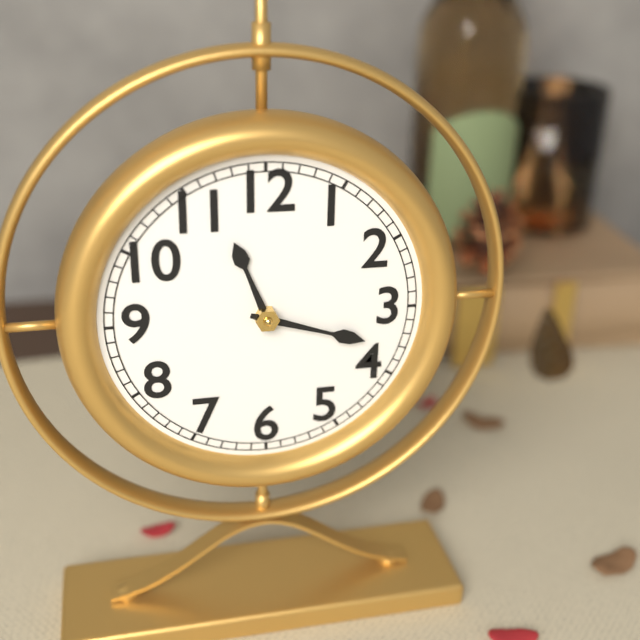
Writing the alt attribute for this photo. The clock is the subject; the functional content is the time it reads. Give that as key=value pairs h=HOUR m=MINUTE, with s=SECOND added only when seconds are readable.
h=11 m=18
